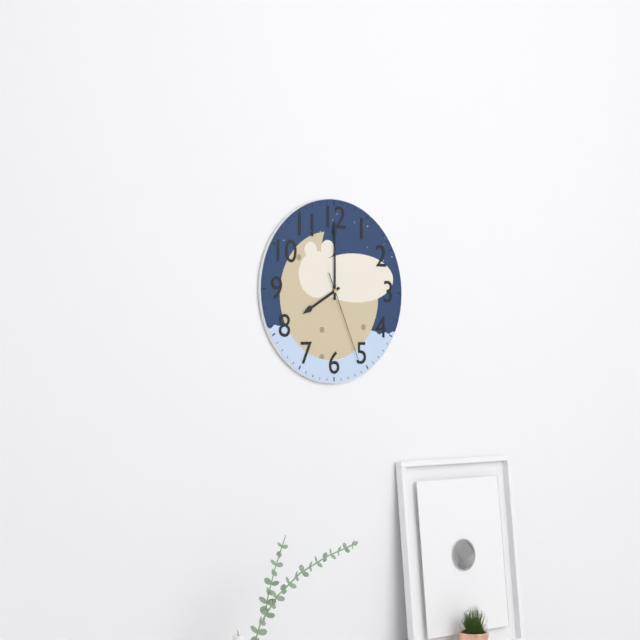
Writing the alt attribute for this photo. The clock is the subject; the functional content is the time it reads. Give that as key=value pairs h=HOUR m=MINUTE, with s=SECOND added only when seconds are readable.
h=8 m=0 s=26
